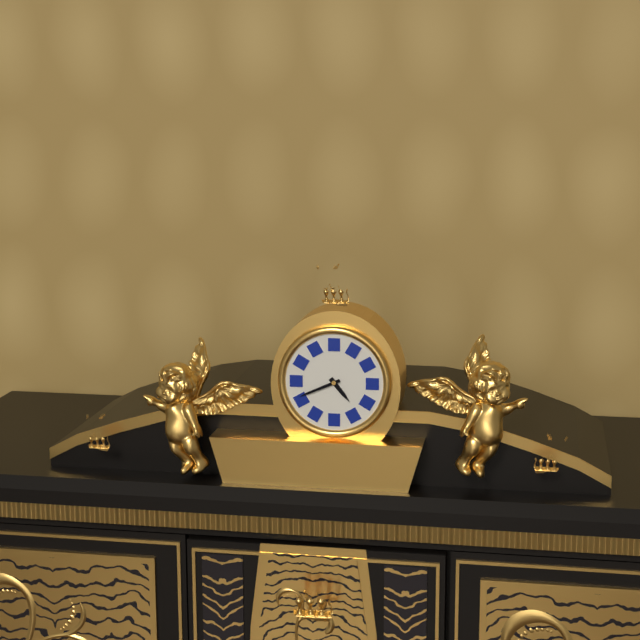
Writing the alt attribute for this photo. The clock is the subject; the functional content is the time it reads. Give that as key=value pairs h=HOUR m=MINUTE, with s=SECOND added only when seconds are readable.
h=4 m=41
